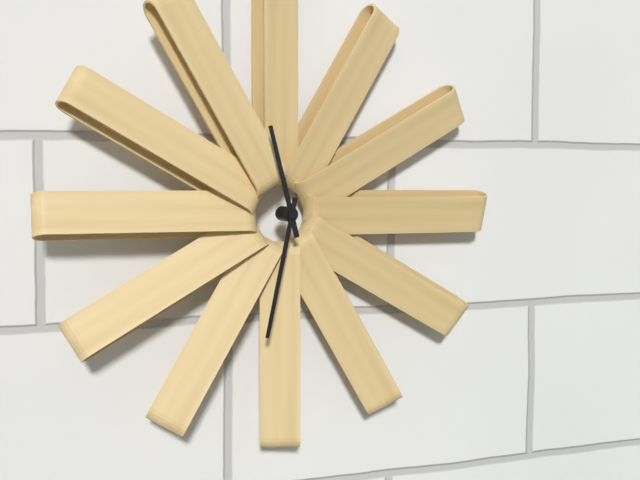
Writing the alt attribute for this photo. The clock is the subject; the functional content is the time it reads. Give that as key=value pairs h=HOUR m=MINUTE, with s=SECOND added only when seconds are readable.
h=11 m=32
